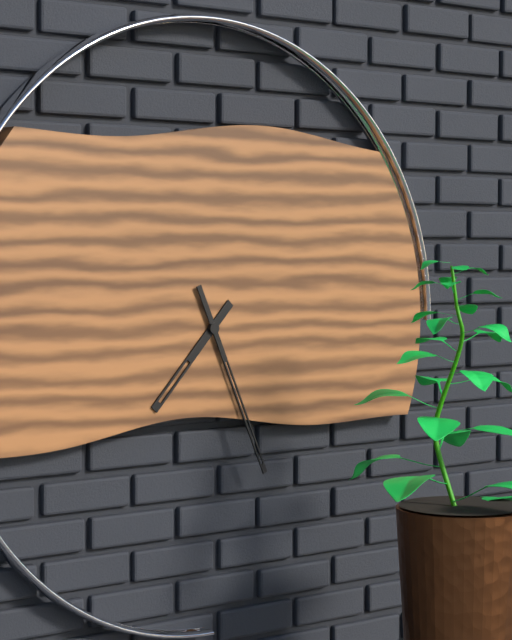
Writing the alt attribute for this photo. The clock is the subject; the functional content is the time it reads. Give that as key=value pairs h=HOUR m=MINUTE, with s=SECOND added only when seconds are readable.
h=7 m=26
